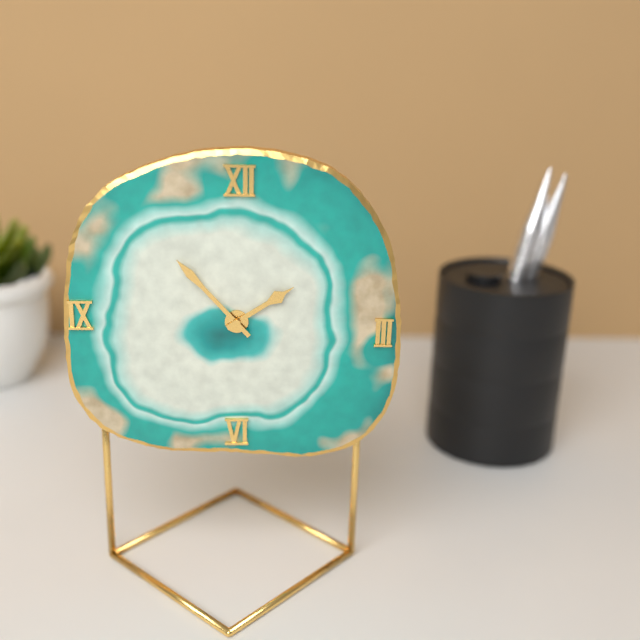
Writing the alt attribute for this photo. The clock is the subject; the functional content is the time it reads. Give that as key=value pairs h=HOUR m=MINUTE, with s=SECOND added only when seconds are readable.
h=1 m=53
